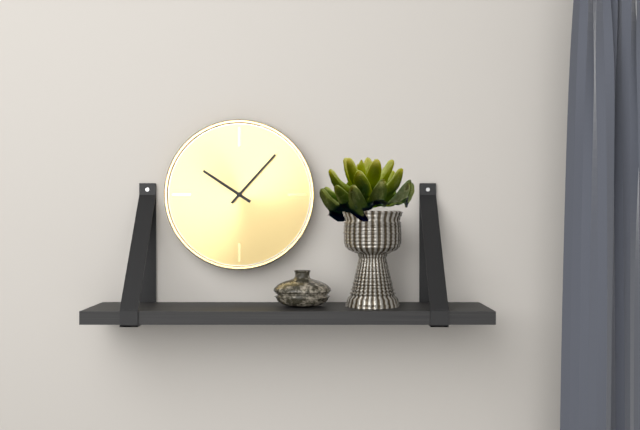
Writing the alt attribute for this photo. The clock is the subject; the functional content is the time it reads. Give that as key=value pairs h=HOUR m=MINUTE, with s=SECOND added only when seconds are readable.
h=10 m=7
